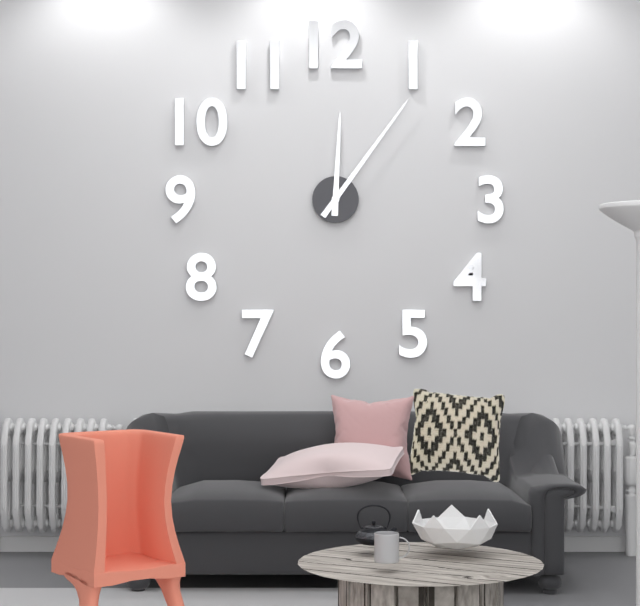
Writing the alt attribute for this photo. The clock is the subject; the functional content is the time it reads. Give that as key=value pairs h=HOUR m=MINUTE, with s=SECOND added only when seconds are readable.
h=12 m=6
